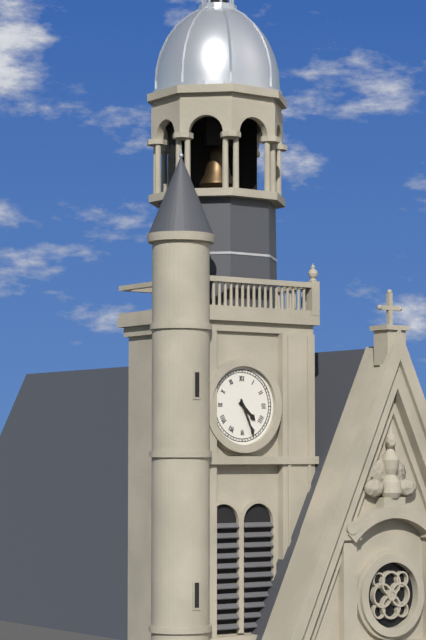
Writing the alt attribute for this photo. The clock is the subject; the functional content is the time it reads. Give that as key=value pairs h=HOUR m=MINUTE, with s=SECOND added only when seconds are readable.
h=4 m=26
